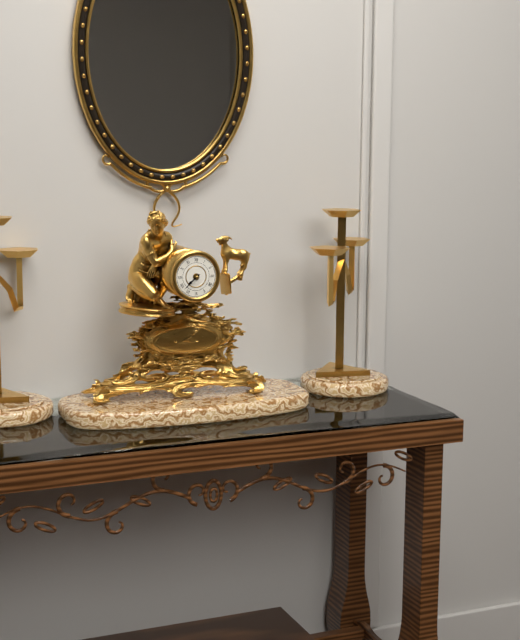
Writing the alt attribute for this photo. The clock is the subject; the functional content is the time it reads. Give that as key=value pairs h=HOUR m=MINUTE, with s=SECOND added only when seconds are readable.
h=7 m=38
